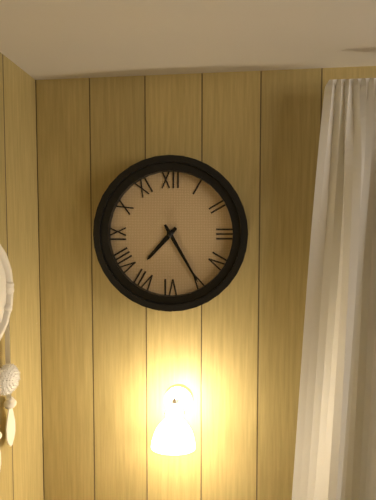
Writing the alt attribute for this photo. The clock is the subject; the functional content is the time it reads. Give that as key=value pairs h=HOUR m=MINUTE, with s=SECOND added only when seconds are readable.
h=7 m=25
